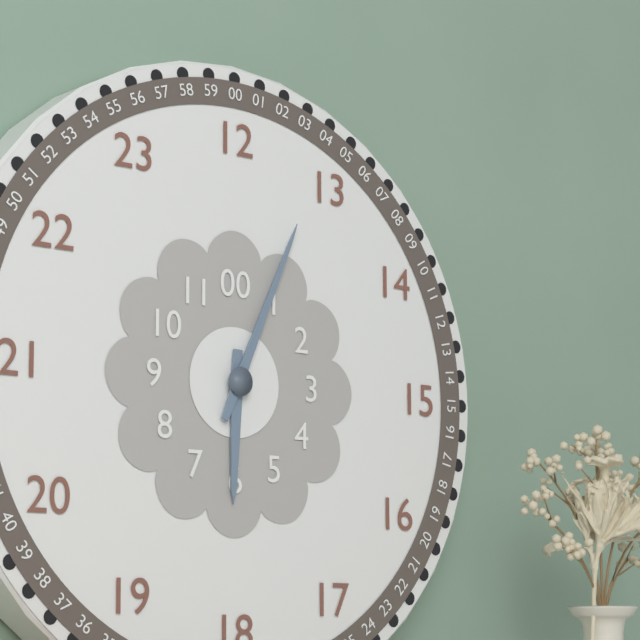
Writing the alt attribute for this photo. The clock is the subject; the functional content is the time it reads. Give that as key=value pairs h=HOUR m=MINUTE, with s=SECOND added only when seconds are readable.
h=6 m=4
